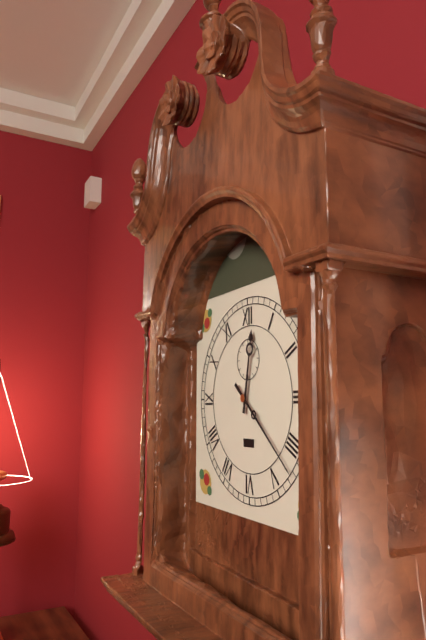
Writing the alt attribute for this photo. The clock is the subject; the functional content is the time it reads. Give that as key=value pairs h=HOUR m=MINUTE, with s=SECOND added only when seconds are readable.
h=12 m=22
